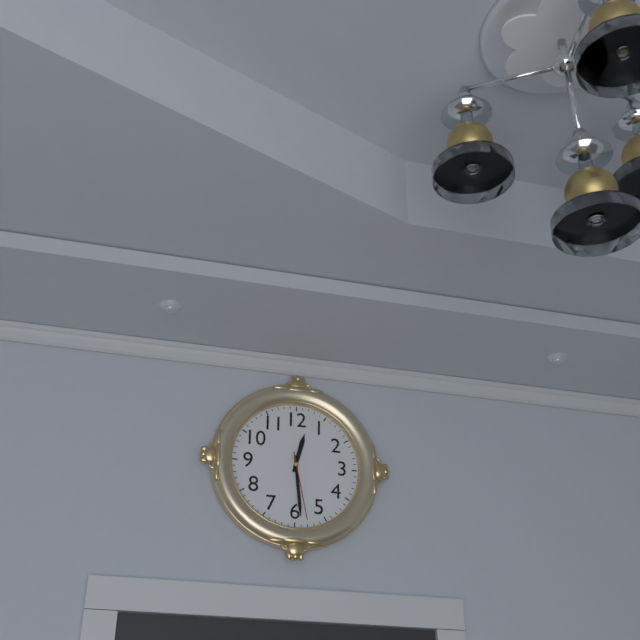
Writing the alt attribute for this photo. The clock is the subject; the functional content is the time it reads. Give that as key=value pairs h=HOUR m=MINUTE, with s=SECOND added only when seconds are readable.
h=12 m=29 s=28
